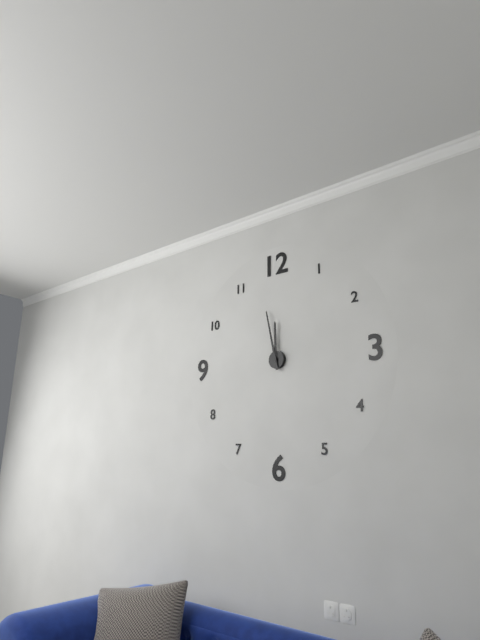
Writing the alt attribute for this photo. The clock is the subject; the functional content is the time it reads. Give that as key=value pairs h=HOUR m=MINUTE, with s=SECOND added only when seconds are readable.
h=11 m=58
